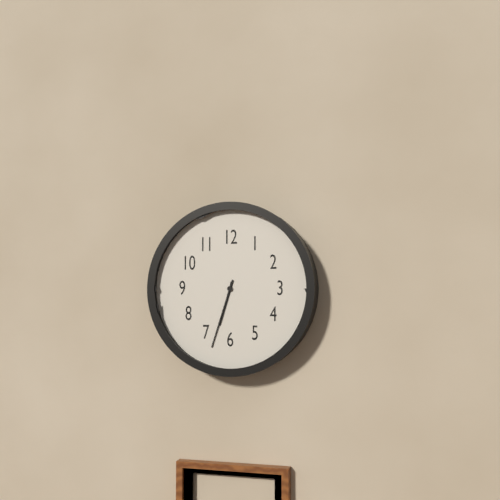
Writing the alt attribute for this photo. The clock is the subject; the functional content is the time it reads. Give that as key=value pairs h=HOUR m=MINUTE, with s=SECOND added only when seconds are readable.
h=6 m=33
